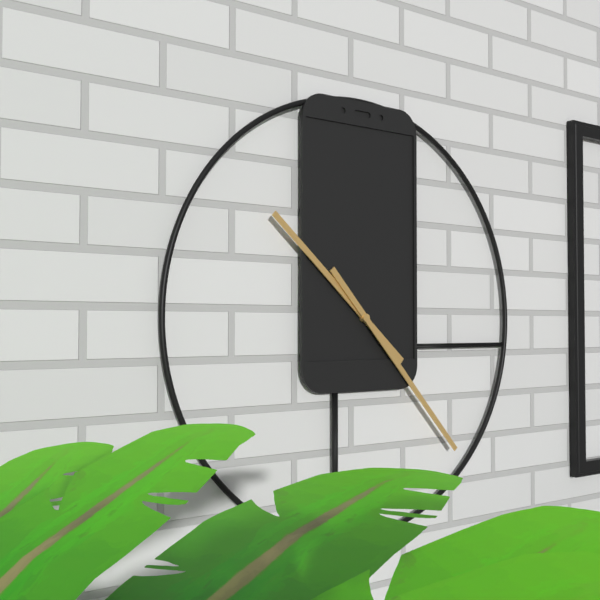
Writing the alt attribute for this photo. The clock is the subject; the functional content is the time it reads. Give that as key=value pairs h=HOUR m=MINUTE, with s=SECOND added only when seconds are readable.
h=10 m=23
